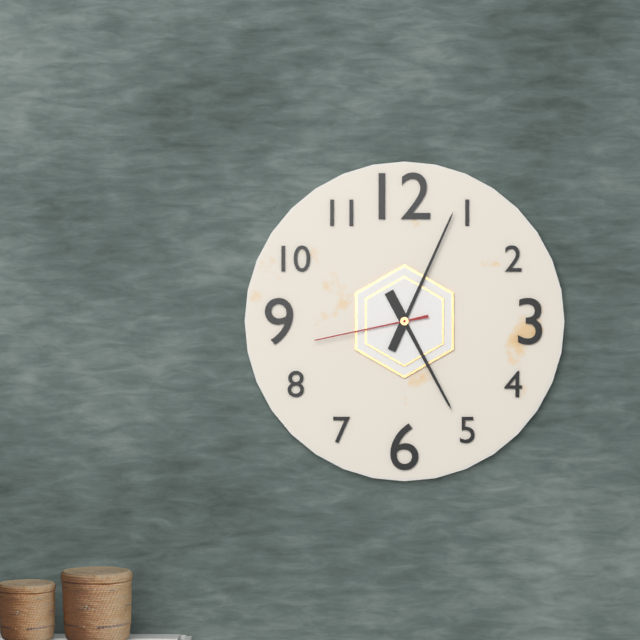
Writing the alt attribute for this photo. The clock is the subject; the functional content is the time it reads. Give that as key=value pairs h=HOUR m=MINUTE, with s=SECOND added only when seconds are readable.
h=5 m=4 s=43
